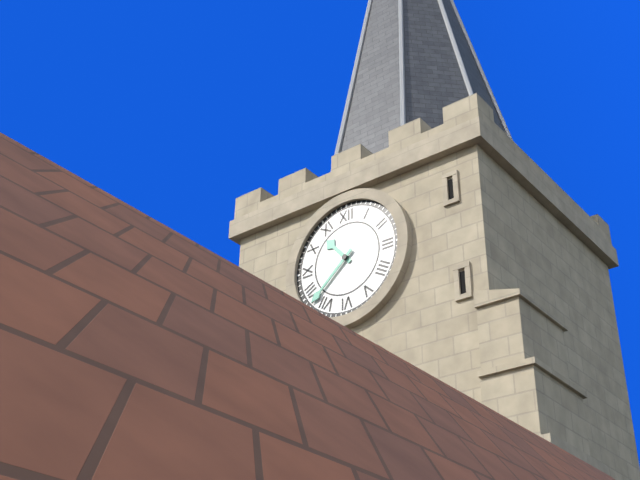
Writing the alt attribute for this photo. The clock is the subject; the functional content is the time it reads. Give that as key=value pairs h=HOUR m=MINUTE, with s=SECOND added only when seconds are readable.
h=10 m=38
